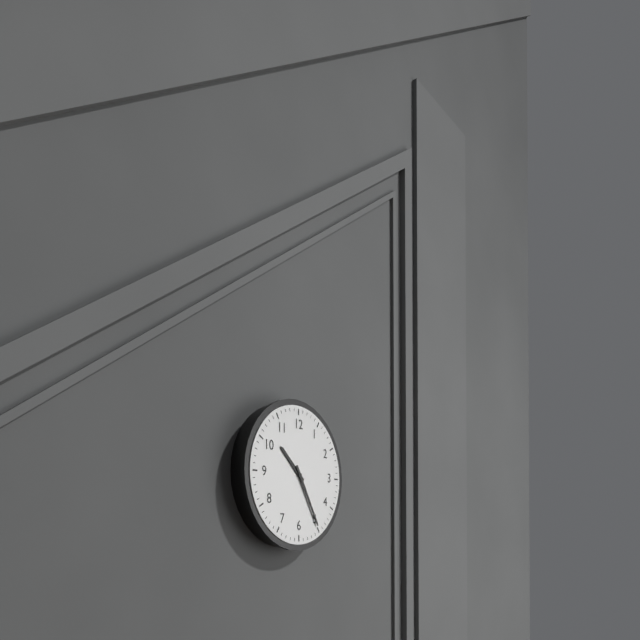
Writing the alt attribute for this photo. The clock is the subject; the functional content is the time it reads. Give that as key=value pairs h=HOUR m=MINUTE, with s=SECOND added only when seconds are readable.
h=10 m=25
